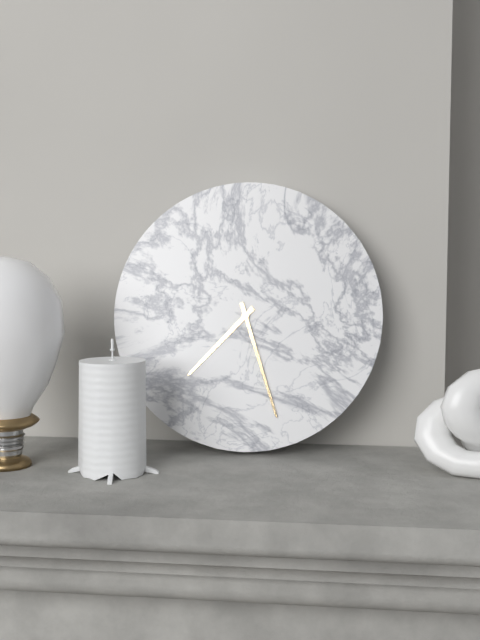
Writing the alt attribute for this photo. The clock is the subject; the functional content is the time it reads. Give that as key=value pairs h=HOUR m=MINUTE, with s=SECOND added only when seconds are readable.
h=7 m=27
